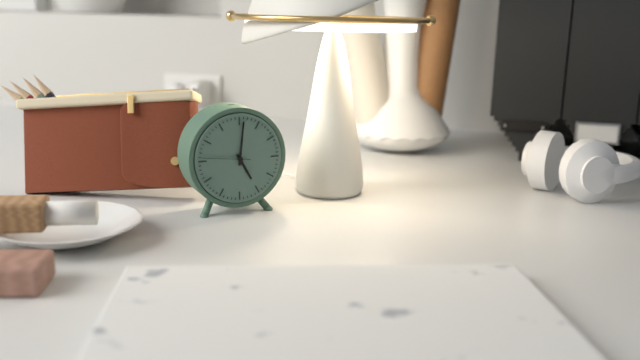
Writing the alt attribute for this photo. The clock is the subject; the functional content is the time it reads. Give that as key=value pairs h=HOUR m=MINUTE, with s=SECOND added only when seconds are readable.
h=5 m=1
